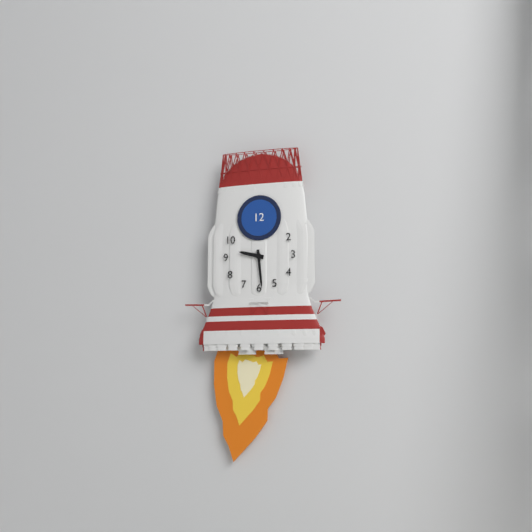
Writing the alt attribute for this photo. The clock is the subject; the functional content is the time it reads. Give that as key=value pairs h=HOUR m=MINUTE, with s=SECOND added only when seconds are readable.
h=9 m=29
